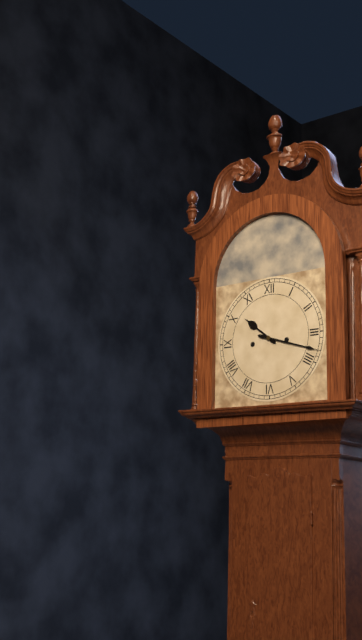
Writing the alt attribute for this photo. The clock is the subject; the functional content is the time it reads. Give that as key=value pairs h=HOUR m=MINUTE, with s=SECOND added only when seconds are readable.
h=10 m=18
